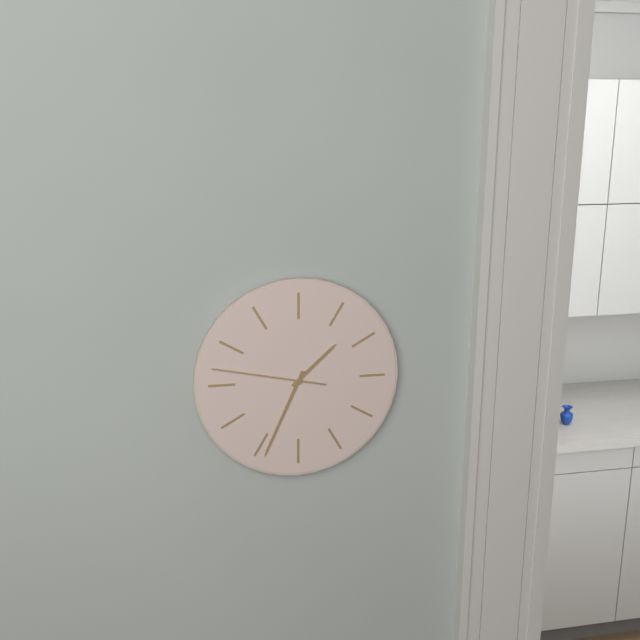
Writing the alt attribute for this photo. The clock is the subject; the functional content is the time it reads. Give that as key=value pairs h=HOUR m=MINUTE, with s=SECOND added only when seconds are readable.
h=1 m=34 s=47
